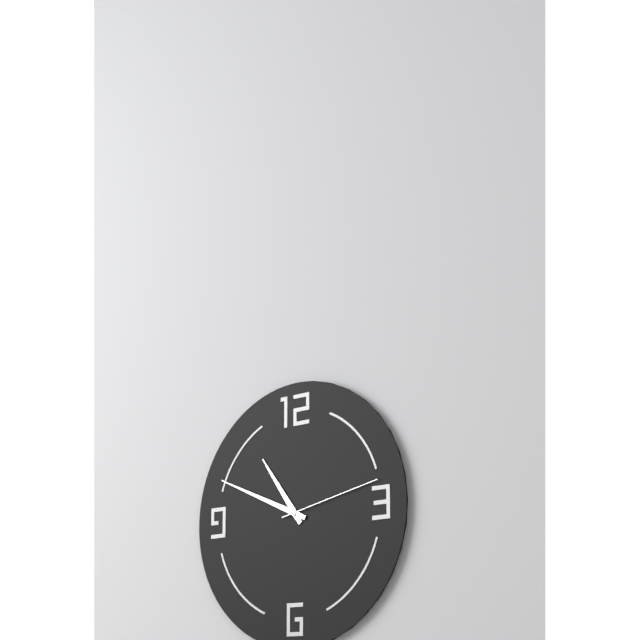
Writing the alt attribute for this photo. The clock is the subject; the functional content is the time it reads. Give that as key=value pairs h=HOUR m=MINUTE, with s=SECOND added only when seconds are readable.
h=10 m=49 s=13
